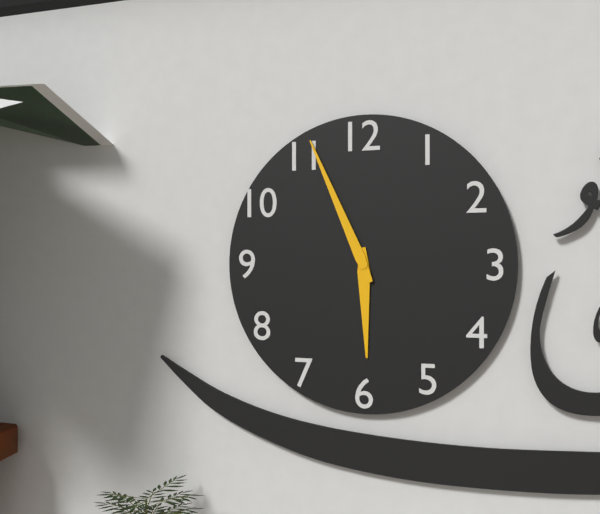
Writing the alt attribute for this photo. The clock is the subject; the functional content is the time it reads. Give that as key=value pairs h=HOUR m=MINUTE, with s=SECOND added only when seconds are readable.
h=5 m=56
